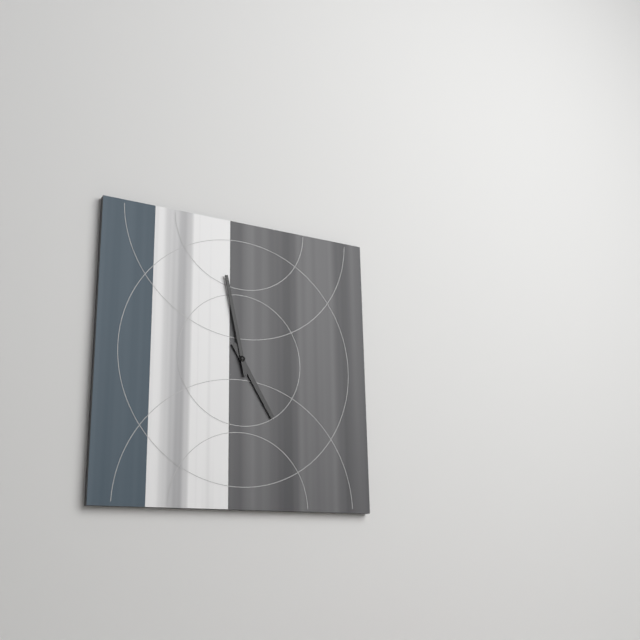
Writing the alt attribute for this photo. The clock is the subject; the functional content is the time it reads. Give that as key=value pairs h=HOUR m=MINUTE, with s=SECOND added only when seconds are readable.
h=4 m=58
